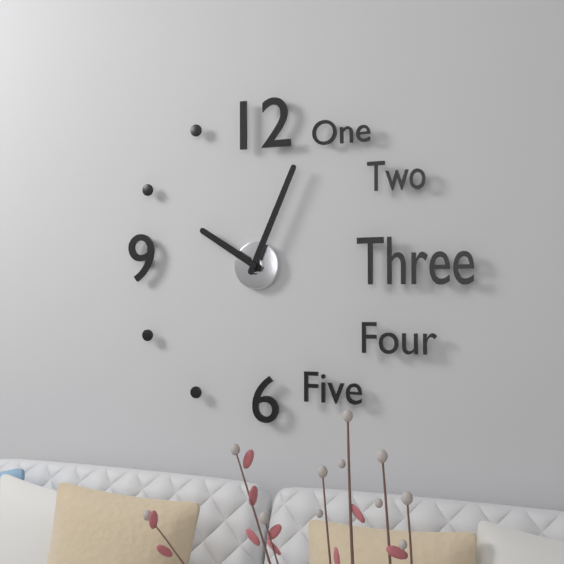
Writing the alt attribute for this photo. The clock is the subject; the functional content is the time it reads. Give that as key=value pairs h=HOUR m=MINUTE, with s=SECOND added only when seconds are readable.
h=10 m=4
